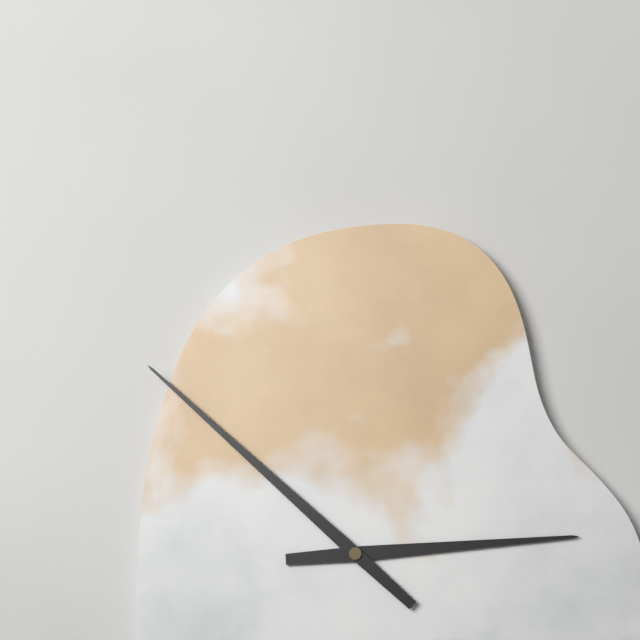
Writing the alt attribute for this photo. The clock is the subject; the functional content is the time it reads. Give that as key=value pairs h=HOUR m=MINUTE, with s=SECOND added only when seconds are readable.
h=2 m=52
